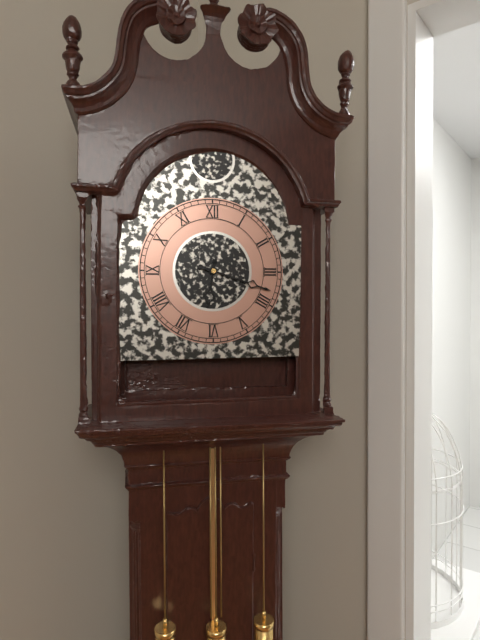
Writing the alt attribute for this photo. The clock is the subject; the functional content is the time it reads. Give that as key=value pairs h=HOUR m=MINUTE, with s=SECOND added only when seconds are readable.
h=6 m=18
